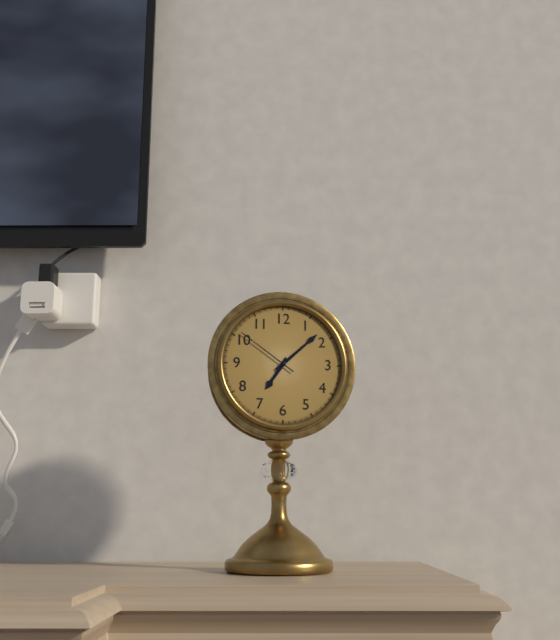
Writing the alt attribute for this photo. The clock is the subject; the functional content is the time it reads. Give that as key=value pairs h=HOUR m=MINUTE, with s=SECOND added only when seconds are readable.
h=7 m=8 s=51
